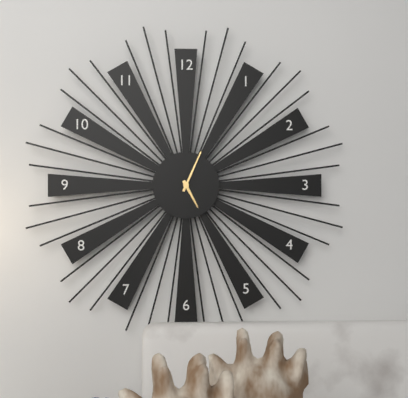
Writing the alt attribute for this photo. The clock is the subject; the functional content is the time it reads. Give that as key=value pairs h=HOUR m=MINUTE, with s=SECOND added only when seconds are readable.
h=5 m=4
